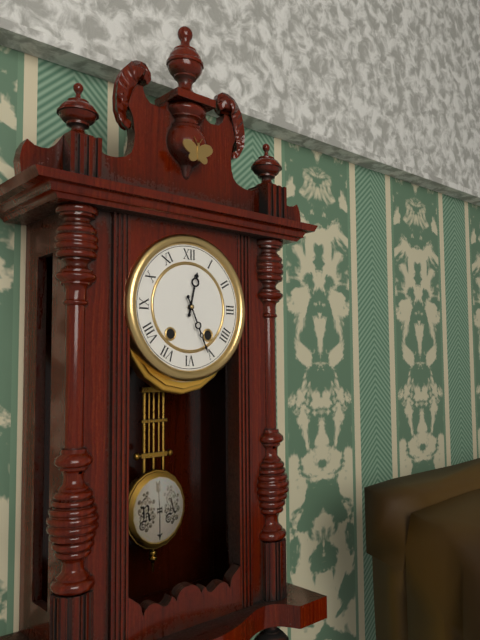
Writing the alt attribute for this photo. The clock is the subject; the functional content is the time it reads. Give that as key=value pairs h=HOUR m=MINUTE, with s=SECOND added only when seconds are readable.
h=12 m=26
